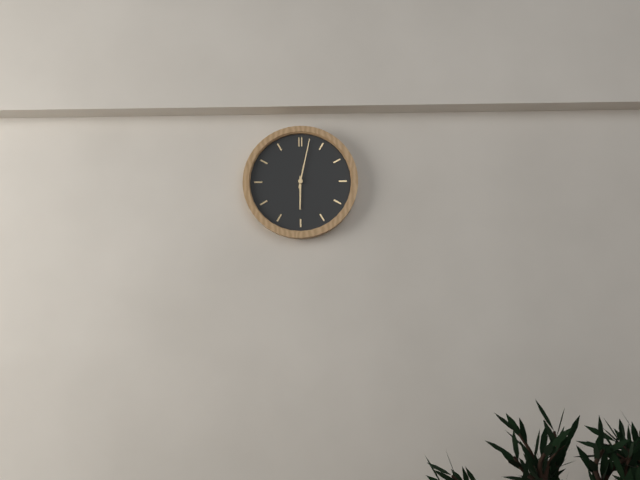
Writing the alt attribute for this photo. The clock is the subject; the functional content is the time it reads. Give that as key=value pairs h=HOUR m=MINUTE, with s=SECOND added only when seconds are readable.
h=6 m=2
